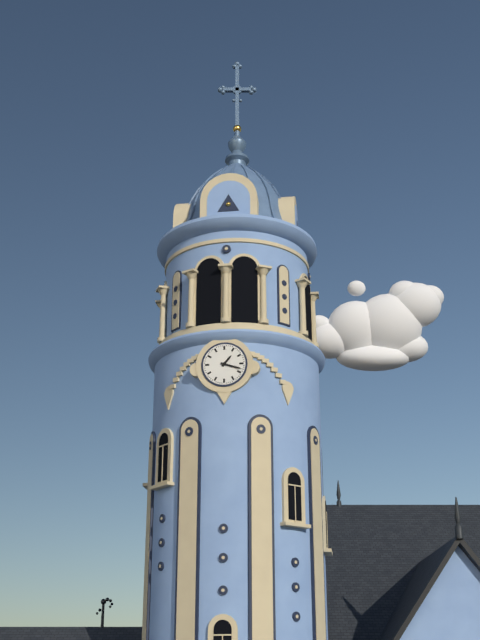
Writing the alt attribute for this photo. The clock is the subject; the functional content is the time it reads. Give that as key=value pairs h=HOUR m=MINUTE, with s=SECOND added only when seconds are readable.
h=1 m=18
